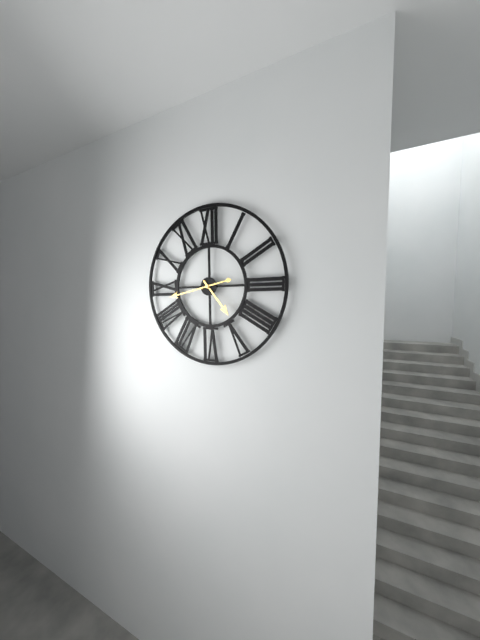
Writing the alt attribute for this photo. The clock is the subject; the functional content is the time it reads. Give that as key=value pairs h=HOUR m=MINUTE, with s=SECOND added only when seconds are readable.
h=4 m=43
